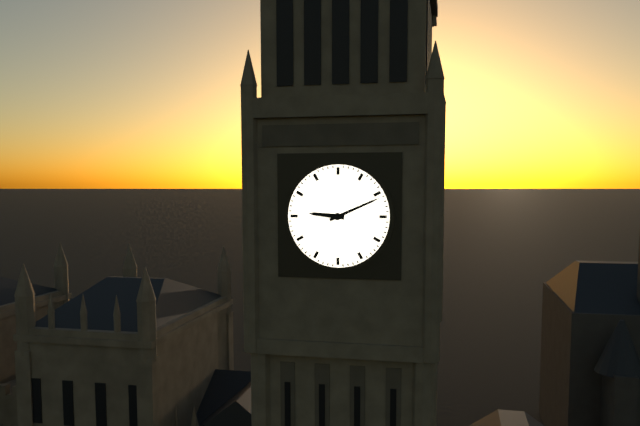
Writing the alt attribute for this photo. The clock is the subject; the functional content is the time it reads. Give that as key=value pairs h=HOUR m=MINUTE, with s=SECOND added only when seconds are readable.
h=9 m=11
